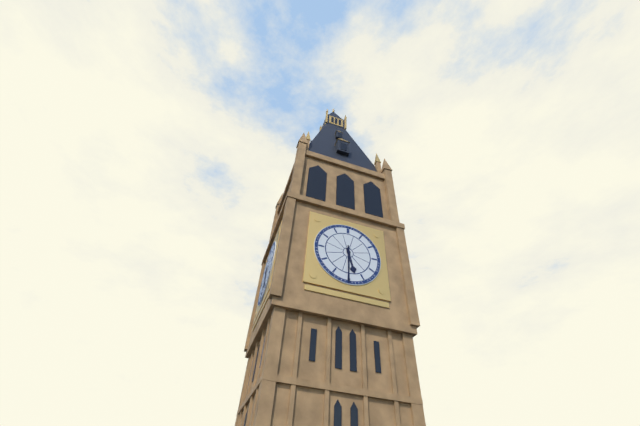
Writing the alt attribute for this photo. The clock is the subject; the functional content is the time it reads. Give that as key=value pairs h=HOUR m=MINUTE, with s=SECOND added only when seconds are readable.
h=5 m=30
